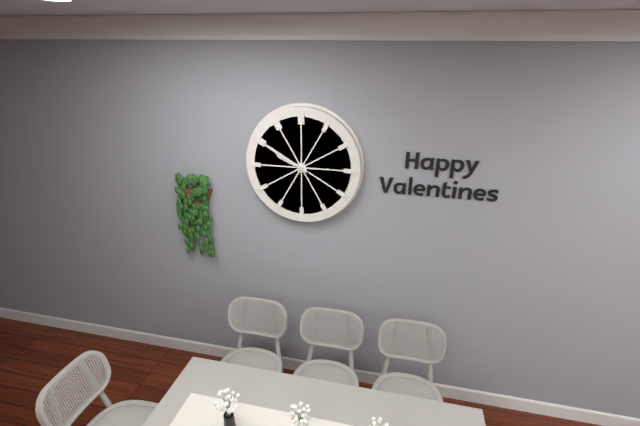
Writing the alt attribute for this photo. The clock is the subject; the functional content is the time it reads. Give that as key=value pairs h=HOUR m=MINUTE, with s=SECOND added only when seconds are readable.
h=9 m=50
